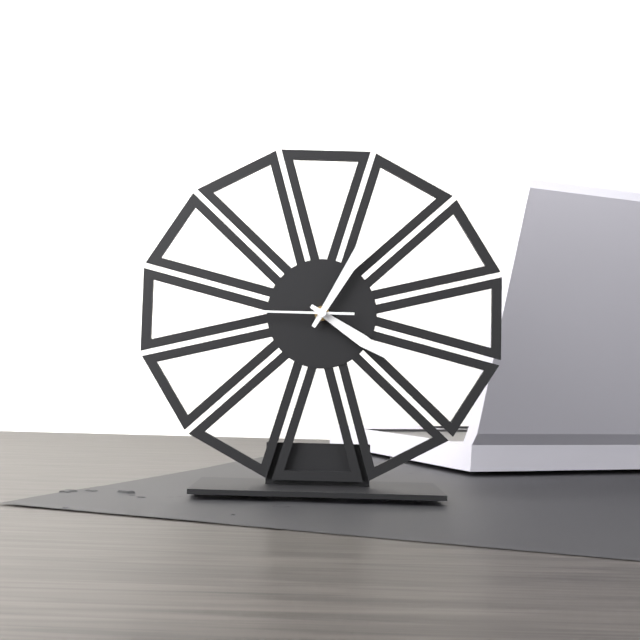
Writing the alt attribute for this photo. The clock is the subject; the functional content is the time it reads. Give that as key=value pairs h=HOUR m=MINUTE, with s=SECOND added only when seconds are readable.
h=4 m=5 s=45
